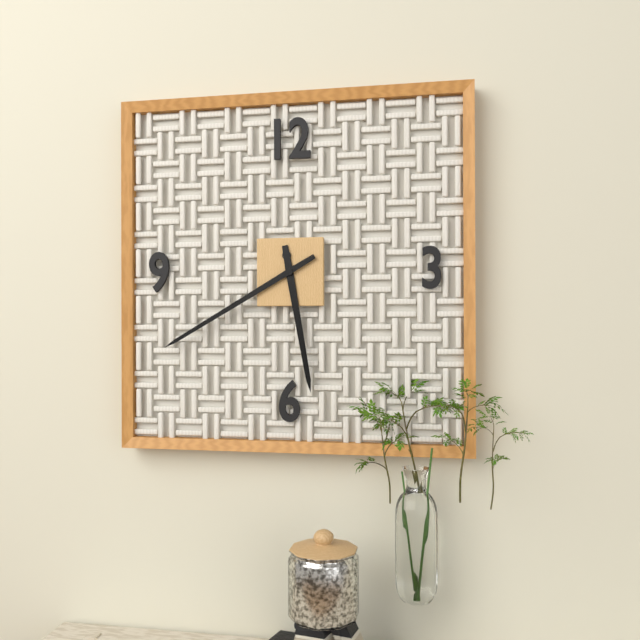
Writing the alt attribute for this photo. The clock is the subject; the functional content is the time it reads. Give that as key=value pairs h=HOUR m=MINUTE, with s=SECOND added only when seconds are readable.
h=5 m=40
